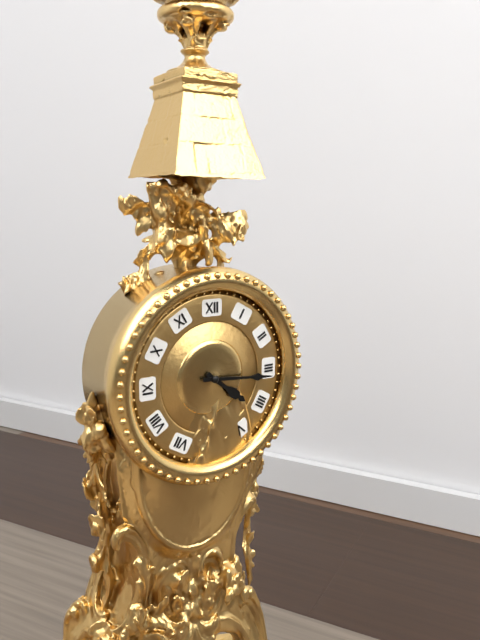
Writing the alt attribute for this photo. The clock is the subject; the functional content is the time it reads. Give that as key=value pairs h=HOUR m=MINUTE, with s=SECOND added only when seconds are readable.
h=4 m=16
